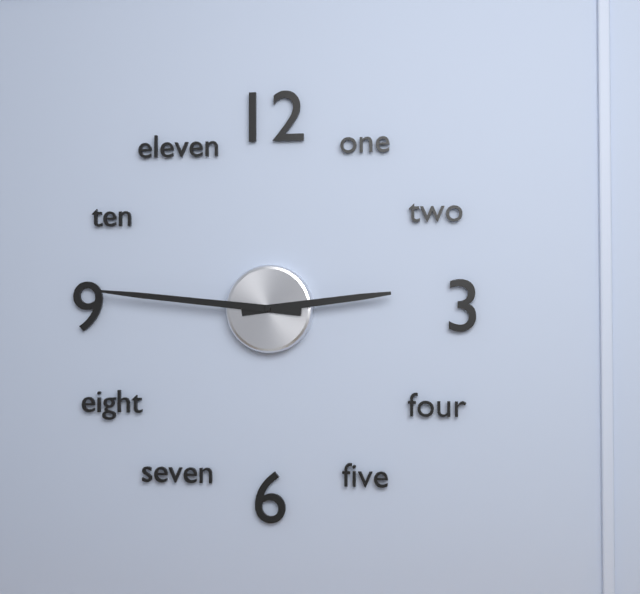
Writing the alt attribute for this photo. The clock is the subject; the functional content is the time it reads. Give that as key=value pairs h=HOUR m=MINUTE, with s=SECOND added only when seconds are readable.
h=2 m=46
